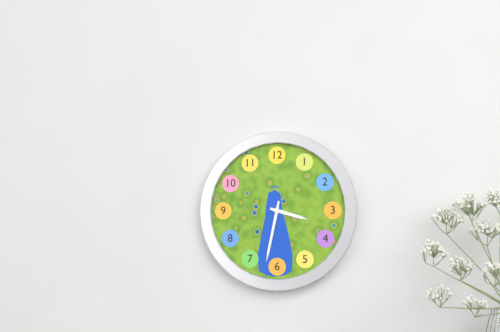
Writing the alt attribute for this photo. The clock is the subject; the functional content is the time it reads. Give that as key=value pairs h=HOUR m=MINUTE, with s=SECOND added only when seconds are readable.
h=3 m=32
